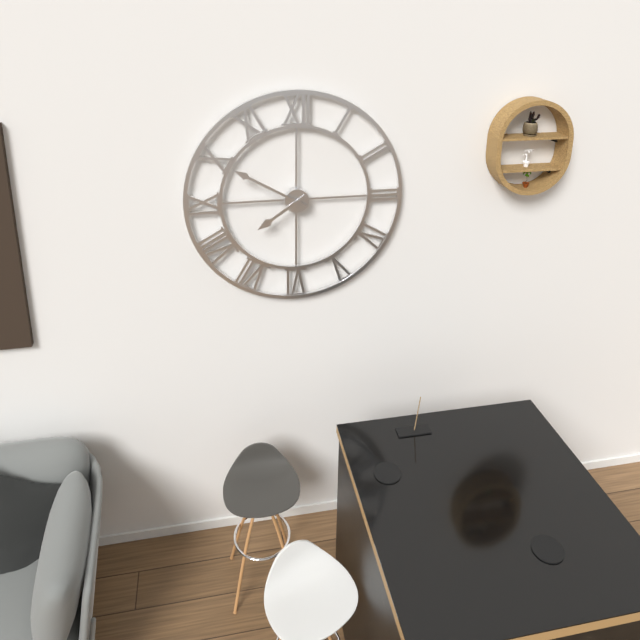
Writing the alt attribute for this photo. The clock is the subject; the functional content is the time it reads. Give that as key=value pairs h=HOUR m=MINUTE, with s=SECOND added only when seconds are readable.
h=7 m=50
